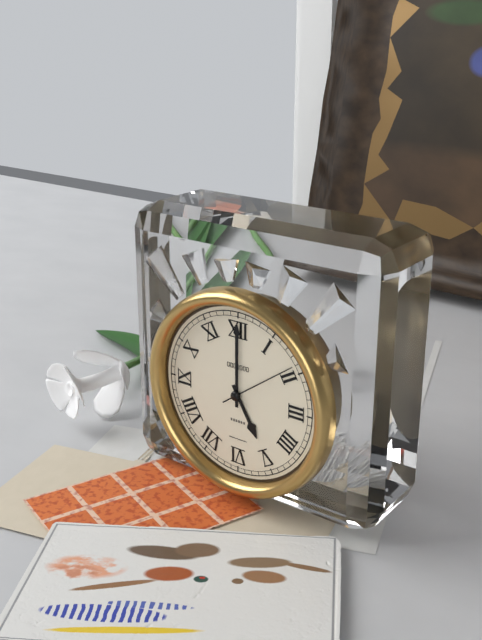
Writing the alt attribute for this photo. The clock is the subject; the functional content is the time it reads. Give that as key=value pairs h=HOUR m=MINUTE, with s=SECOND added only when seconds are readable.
h=5 m=0 s=9
